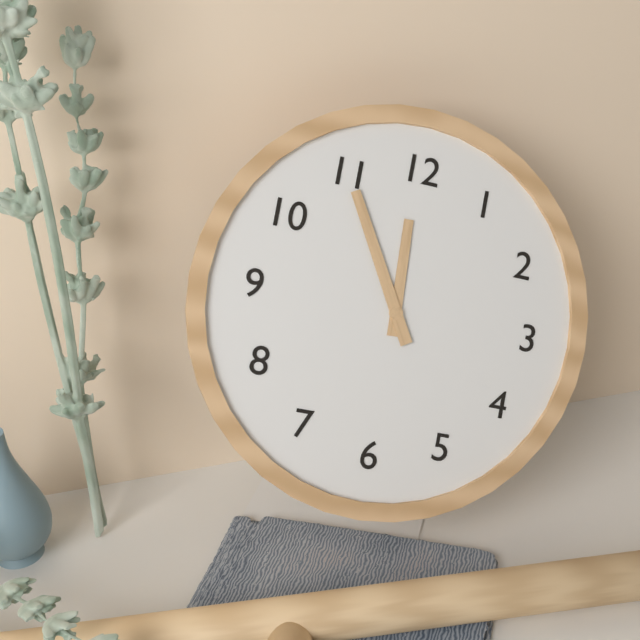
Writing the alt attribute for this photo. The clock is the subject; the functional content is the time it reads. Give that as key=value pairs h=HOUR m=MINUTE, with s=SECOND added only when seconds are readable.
h=11 m=55
